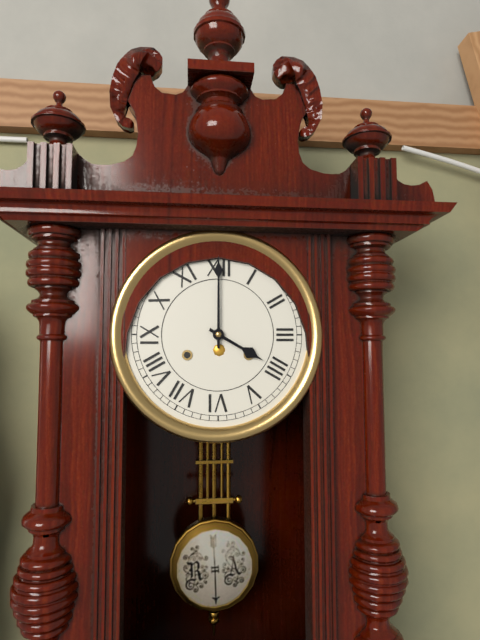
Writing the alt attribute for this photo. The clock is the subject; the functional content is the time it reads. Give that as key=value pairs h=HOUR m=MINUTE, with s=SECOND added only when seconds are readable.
h=4 m=0
